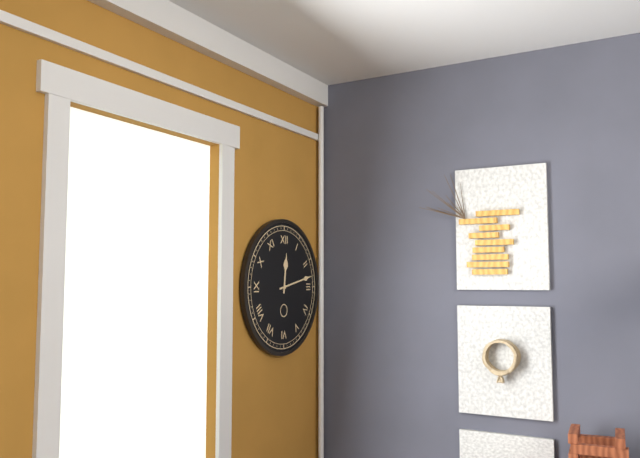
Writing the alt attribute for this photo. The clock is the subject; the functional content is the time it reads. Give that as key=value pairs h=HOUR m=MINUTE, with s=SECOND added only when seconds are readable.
h=12 m=13
